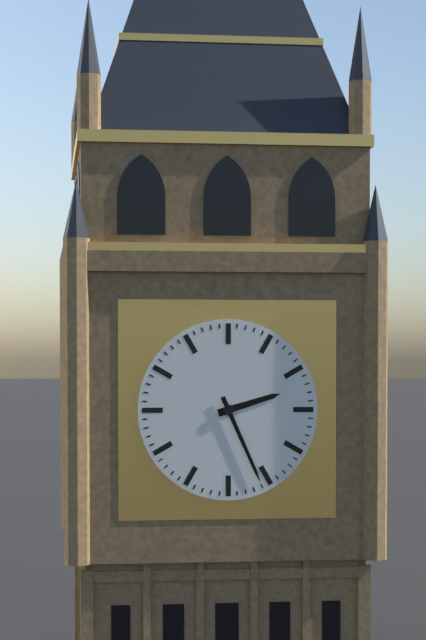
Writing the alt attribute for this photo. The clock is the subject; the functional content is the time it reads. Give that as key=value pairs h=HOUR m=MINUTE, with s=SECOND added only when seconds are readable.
h=2 m=26
